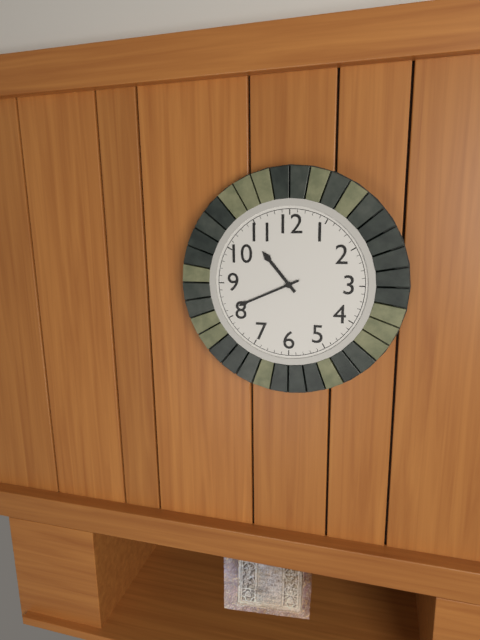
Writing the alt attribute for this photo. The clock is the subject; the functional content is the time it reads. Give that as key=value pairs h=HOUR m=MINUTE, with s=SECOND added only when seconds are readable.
h=10 m=41
